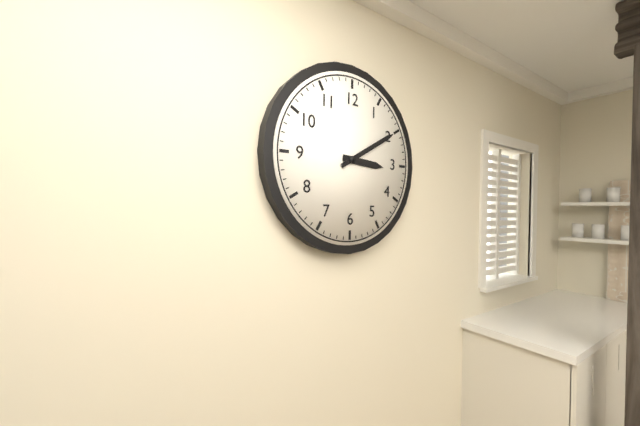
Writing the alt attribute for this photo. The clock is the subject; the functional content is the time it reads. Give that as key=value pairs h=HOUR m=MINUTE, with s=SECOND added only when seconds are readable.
h=3 m=10
